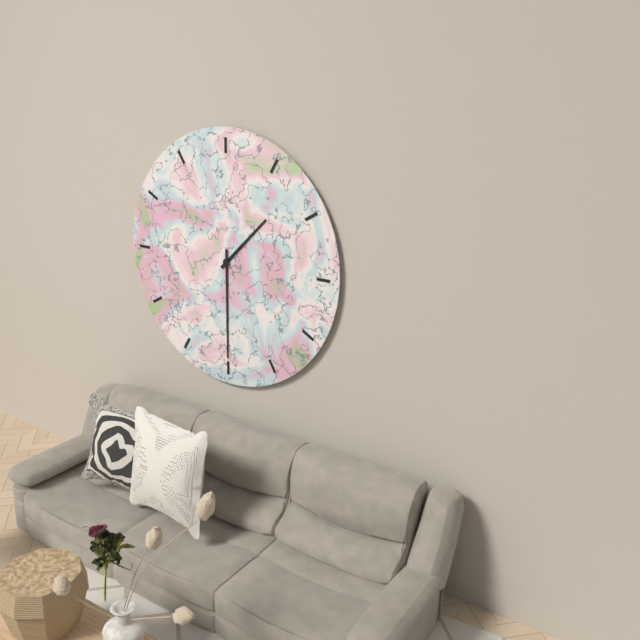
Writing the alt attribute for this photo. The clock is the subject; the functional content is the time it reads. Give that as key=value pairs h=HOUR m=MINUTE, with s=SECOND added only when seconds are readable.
h=1 m=30
